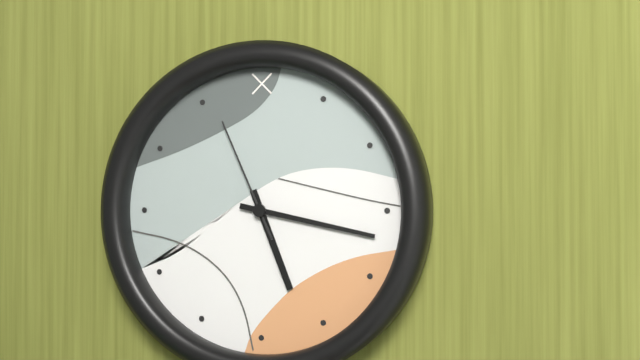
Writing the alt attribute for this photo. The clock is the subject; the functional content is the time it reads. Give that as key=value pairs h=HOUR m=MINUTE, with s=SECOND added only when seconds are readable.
h=5 m=17 s=56
